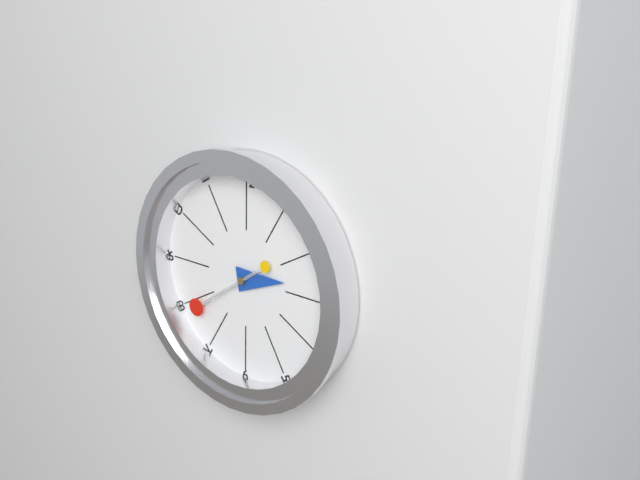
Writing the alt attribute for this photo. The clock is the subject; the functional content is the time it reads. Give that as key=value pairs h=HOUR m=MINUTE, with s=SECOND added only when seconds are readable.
h=2 m=39
